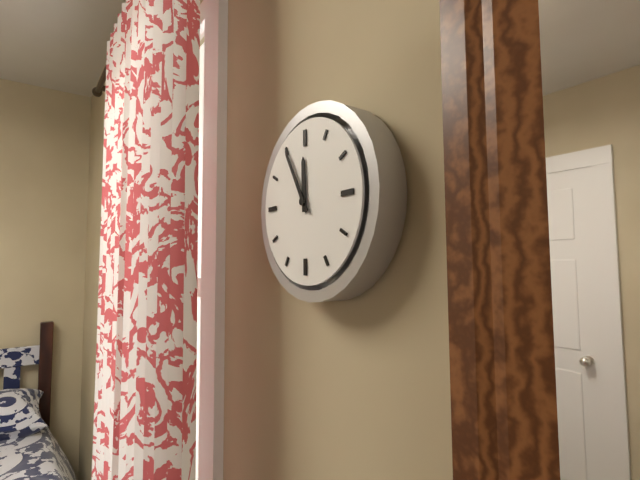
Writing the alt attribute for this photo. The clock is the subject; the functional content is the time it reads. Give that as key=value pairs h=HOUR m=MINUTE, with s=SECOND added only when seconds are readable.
h=11 m=55
